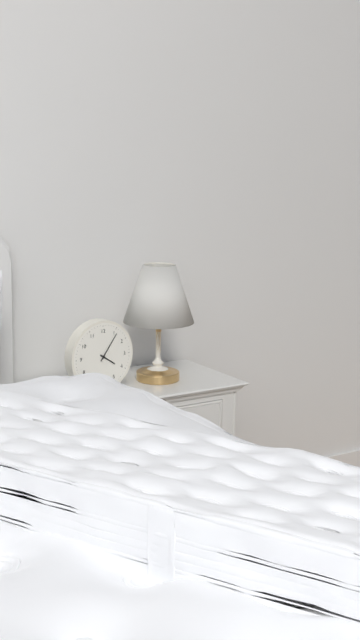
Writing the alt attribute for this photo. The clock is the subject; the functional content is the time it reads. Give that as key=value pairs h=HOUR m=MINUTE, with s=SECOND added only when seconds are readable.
h=4 m=6
